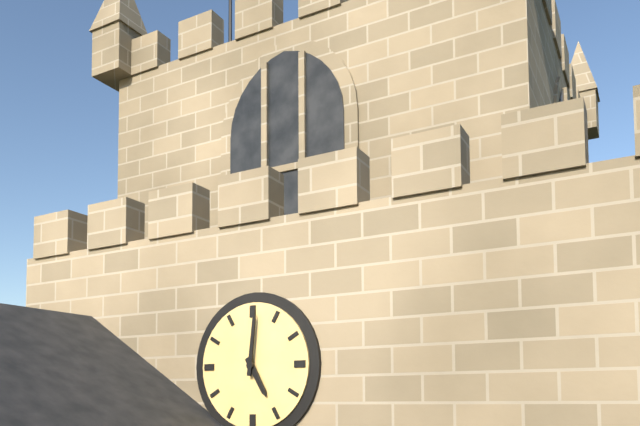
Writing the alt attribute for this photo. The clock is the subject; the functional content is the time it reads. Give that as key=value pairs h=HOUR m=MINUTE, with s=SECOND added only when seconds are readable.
h=5 m=1
